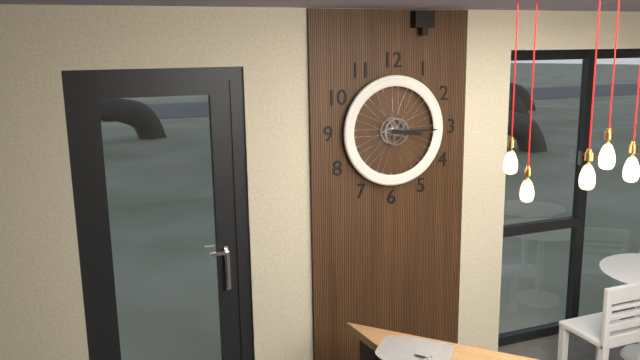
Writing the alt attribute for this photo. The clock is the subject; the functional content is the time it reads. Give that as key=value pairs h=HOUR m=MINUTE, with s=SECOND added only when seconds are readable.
h=3 m=15
